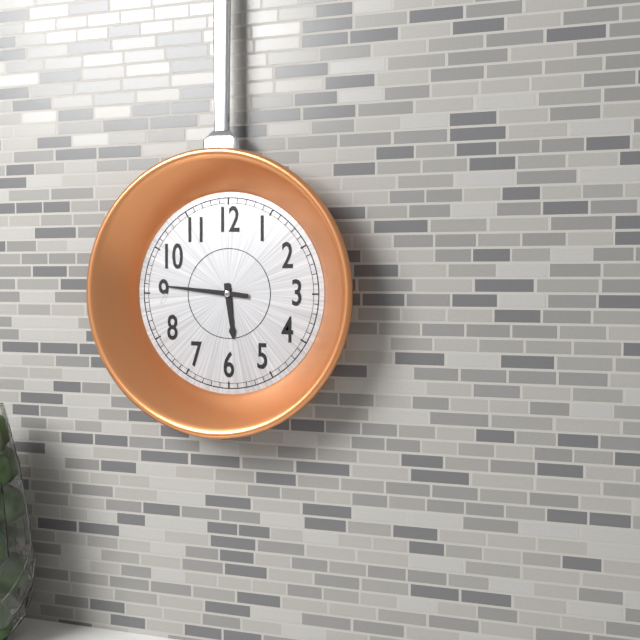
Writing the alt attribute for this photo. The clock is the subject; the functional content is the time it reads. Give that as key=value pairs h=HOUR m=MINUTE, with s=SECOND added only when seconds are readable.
h=5 m=46
